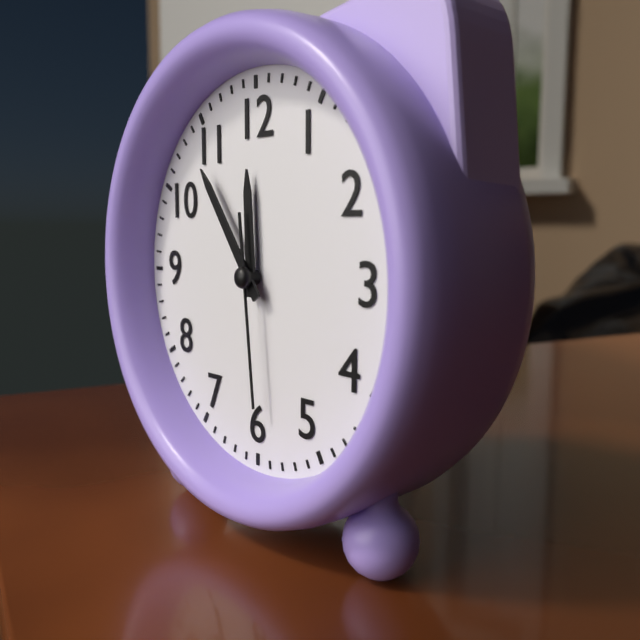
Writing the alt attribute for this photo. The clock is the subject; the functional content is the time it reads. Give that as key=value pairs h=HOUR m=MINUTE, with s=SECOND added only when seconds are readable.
h=11 m=54 s=29
